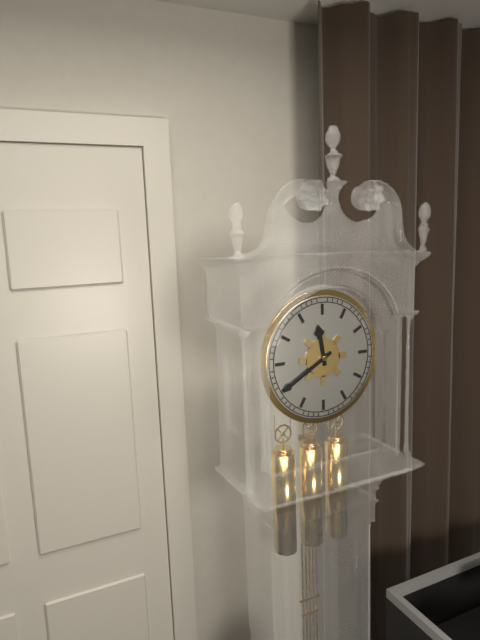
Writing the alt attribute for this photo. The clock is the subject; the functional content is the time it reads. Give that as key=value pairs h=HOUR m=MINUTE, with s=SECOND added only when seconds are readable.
h=11 m=40
